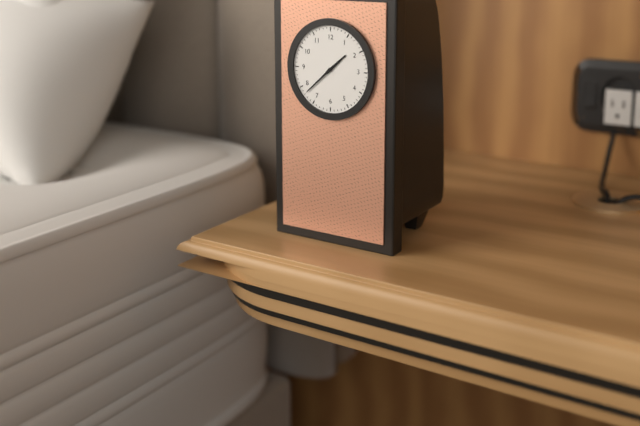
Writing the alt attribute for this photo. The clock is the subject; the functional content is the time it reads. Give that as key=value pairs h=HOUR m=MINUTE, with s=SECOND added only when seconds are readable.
h=1 m=38
